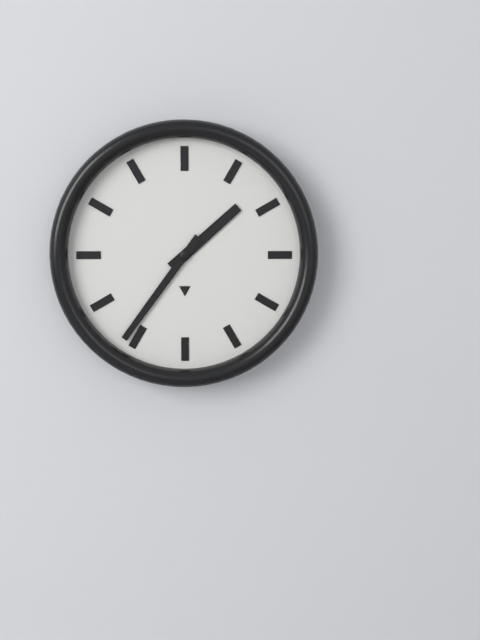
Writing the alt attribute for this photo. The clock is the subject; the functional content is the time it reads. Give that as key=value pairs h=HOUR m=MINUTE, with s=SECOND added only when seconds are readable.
h=1 m=36
